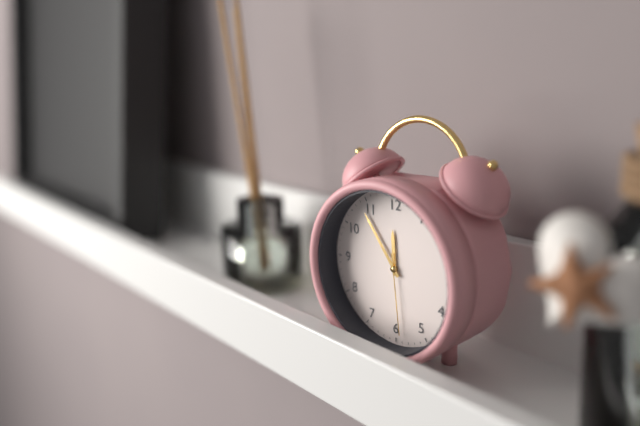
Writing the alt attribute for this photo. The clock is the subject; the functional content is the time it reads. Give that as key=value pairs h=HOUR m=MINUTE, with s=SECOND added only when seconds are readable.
h=11 m=54 s=29
